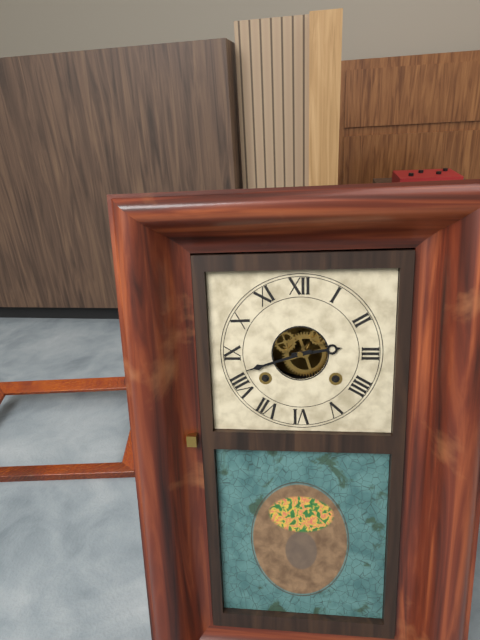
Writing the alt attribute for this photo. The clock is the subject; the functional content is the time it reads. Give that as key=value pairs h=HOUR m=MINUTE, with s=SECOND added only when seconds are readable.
h=2 m=42
